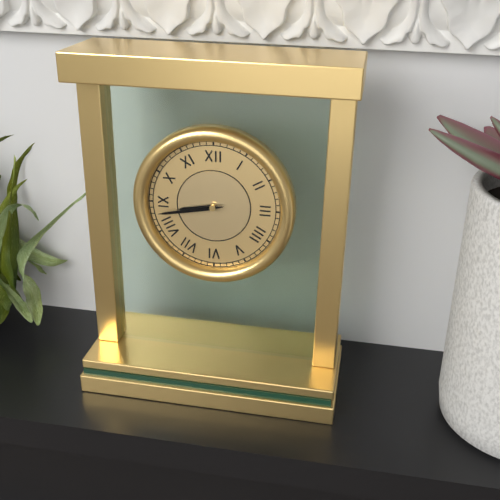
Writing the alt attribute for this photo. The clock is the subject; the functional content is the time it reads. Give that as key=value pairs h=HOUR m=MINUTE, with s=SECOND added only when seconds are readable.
h=8 m=43
